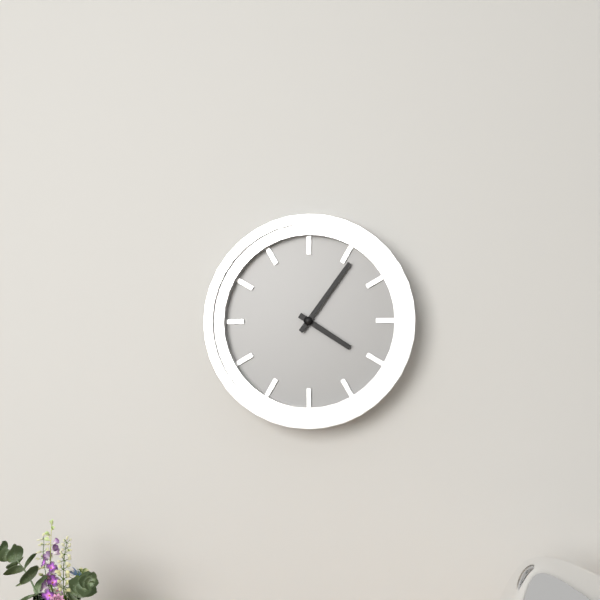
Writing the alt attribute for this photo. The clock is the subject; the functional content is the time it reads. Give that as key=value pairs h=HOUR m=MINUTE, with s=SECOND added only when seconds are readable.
h=4 m=6
